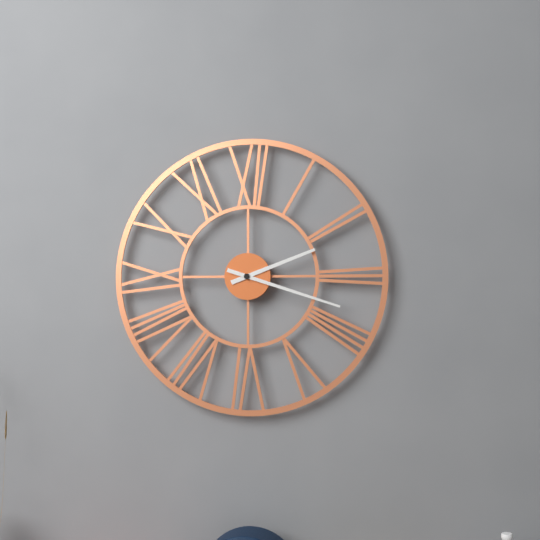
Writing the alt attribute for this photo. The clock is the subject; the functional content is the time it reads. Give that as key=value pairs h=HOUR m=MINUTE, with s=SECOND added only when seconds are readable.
h=2 m=18
